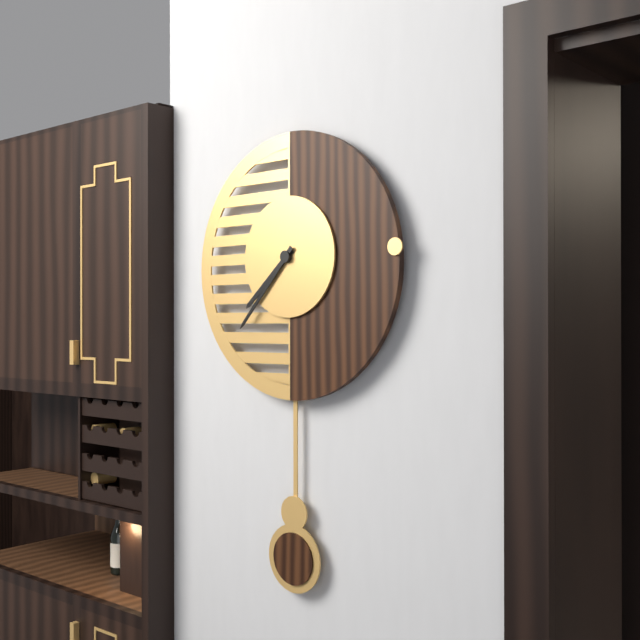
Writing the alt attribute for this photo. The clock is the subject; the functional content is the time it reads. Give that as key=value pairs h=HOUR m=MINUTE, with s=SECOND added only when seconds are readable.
h=7 m=37
